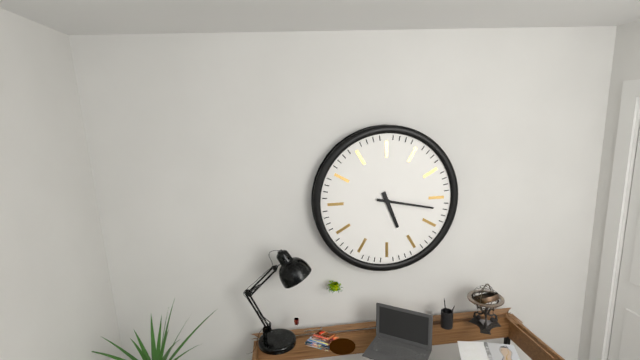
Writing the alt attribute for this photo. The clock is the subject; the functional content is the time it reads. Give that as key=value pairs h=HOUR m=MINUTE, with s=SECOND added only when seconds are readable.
h=5 m=17
